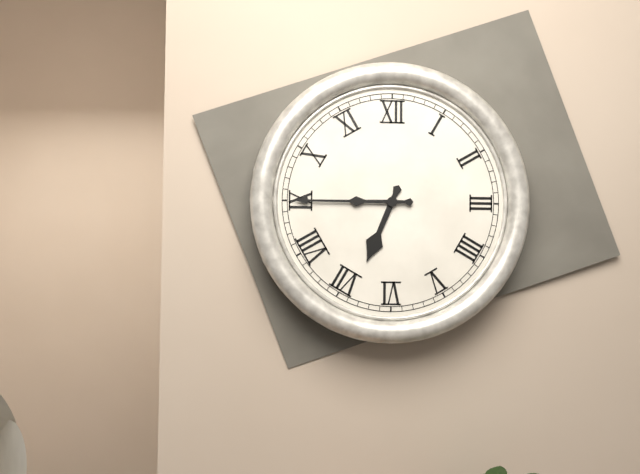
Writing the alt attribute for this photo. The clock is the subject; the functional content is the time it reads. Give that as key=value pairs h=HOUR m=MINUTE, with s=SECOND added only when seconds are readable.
h=6 m=45
